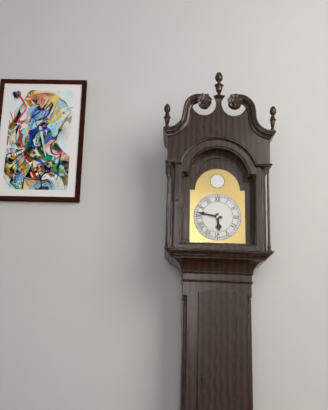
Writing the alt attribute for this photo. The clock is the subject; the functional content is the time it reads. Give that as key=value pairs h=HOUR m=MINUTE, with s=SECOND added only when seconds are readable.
h=5 m=47
